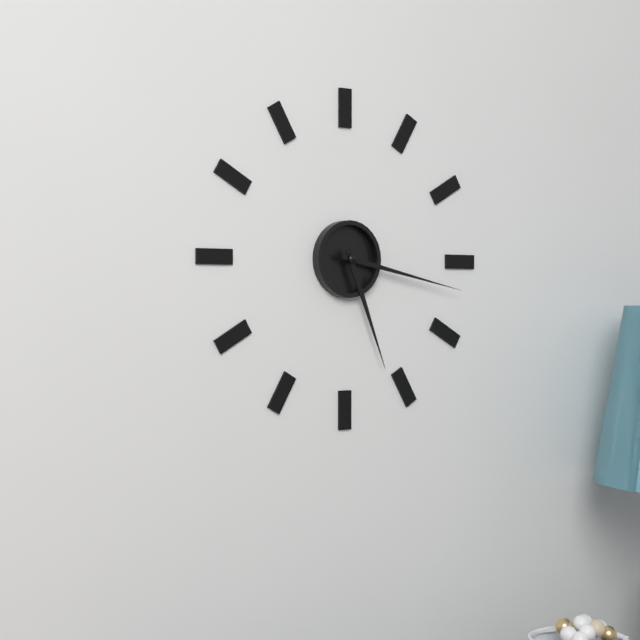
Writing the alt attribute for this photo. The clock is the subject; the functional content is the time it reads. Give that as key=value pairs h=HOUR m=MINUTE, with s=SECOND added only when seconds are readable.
h=5 m=17
